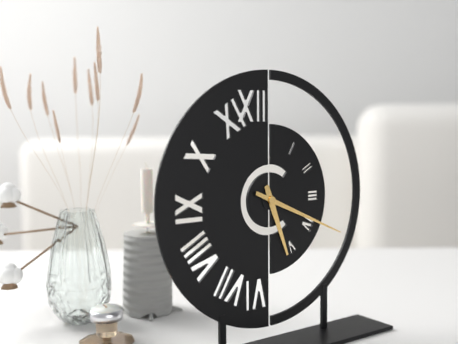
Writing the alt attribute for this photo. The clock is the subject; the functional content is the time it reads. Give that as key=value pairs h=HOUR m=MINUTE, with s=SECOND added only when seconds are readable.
h=5 m=19
